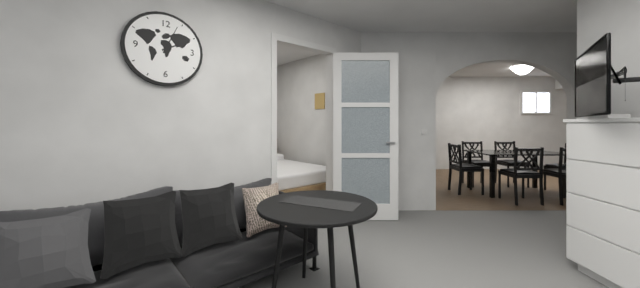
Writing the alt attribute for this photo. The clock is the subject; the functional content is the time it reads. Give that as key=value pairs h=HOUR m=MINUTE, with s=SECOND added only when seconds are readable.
h=2 m=4
